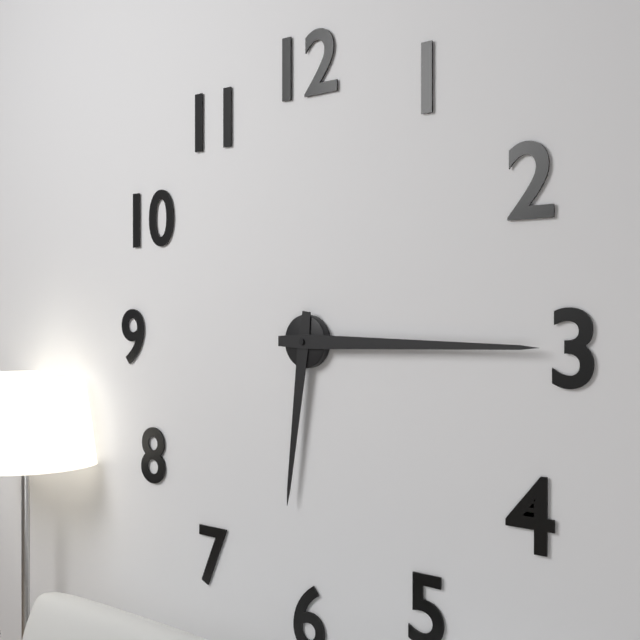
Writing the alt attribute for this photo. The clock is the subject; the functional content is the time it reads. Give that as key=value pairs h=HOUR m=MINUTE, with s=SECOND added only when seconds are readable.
h=6 m=15
